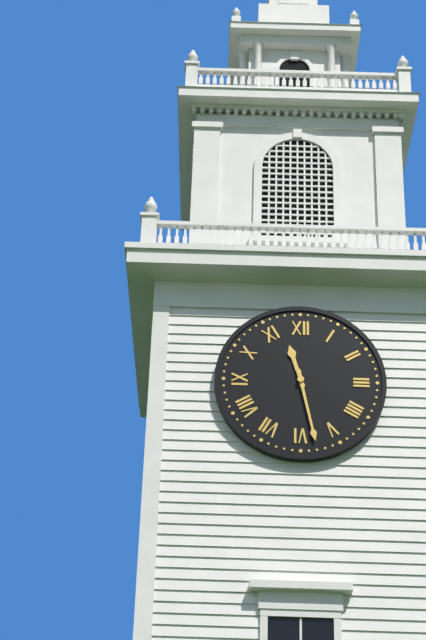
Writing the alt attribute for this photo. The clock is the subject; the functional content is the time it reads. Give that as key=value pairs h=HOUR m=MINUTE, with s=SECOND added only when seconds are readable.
h=11 m=28
